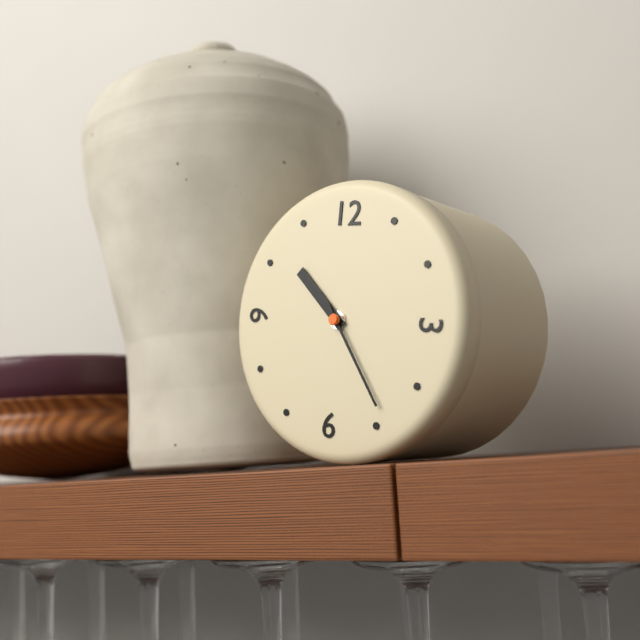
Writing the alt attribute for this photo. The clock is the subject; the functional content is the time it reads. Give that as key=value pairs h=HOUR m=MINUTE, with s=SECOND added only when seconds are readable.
h=10 m=24
